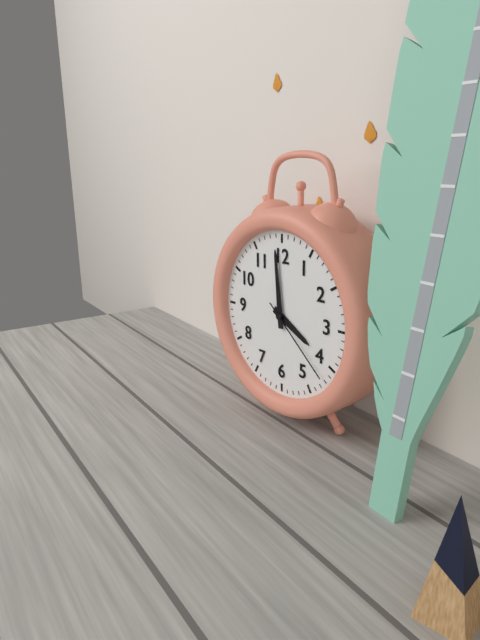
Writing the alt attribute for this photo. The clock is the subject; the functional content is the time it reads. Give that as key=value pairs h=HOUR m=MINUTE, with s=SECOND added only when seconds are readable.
h=3 m=59 s=22
